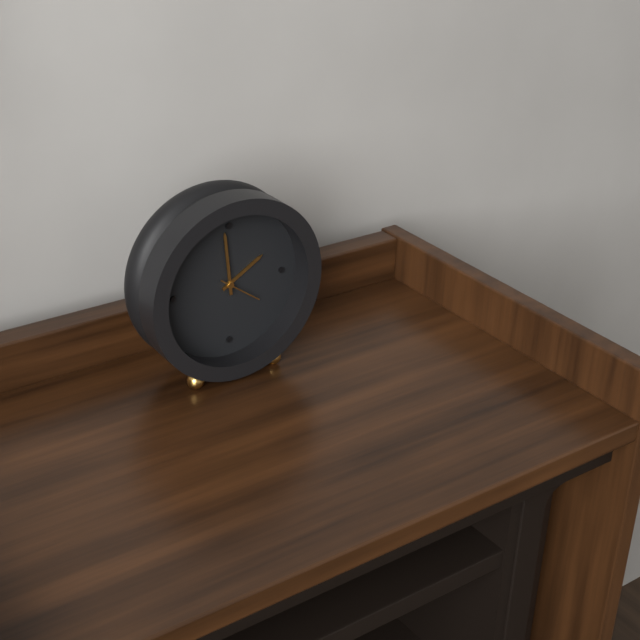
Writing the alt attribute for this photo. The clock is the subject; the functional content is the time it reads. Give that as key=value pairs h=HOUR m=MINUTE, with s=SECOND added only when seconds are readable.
h=1 m=59
